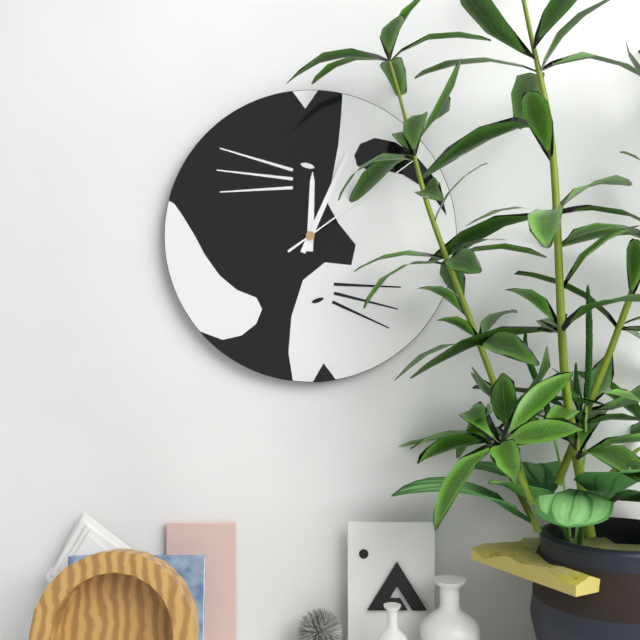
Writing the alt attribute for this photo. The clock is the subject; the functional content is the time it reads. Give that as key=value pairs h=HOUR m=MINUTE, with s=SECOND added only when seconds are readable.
h=12 m=4 s=9
